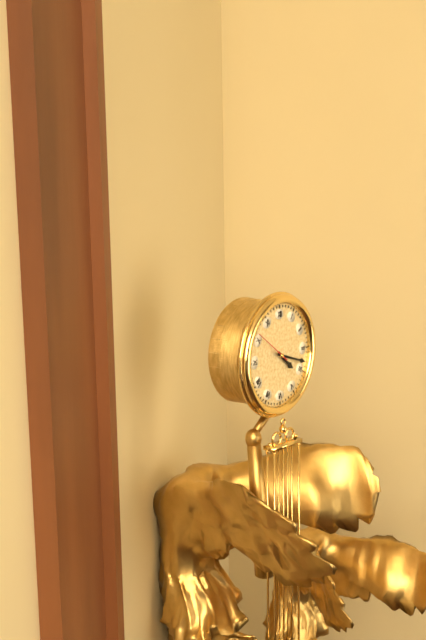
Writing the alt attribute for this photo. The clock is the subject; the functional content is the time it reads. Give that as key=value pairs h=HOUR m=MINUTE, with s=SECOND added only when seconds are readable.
h=4 m=18
